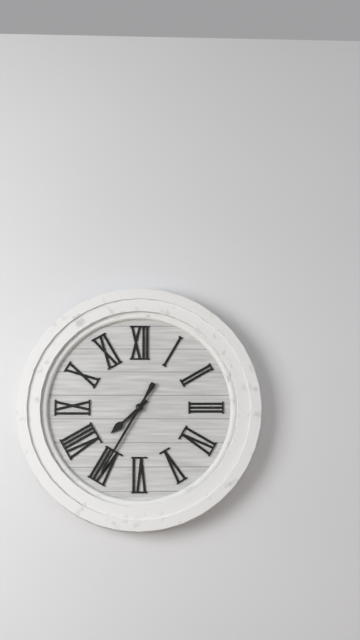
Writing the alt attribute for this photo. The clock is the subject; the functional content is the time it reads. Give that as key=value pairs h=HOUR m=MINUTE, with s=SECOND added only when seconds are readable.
h=7 m=35
